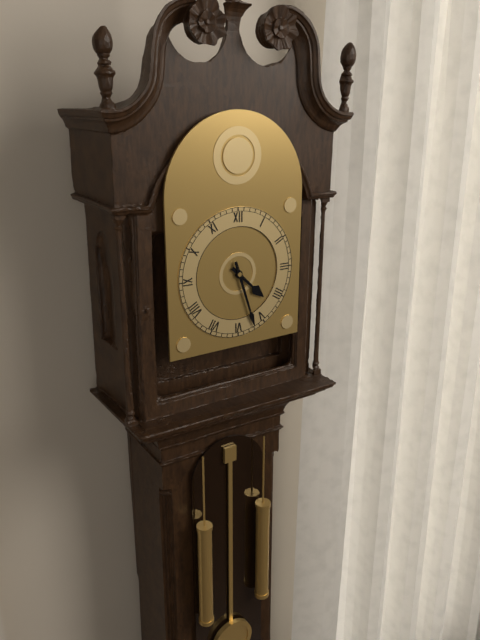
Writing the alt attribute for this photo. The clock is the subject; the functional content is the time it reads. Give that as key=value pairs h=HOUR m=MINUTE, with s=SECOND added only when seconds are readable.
h=4 m=27
